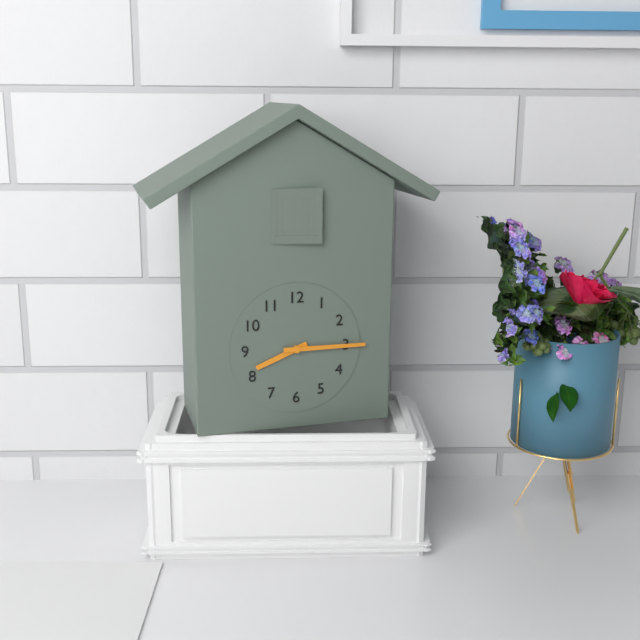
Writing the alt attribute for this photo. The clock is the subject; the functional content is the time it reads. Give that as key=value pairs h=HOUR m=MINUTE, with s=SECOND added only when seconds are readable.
h=8 m=15
